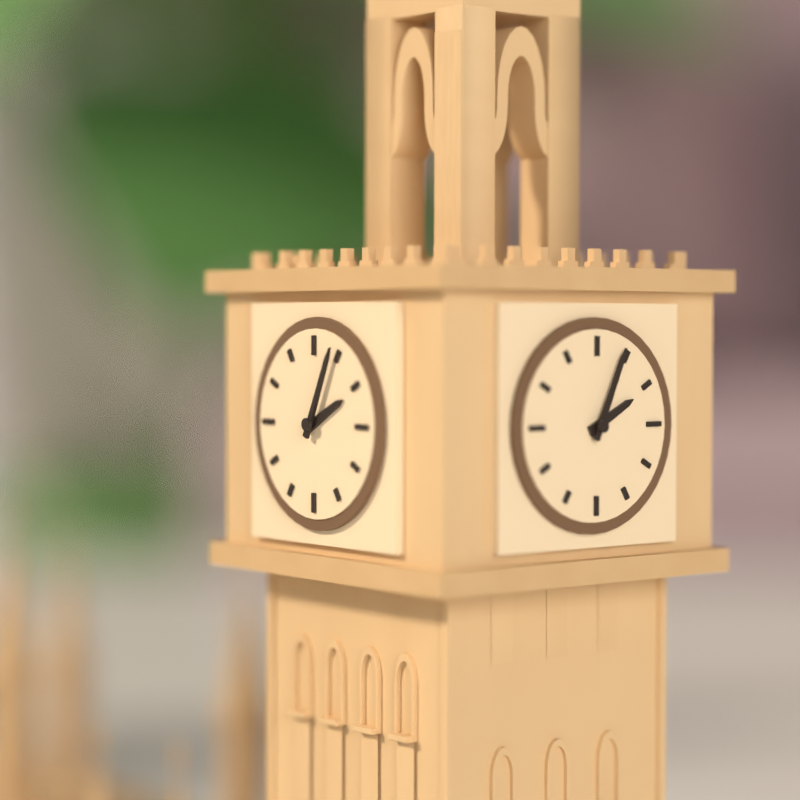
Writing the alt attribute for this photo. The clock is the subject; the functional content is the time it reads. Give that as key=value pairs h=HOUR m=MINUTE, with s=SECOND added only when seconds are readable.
h=2 m=4
